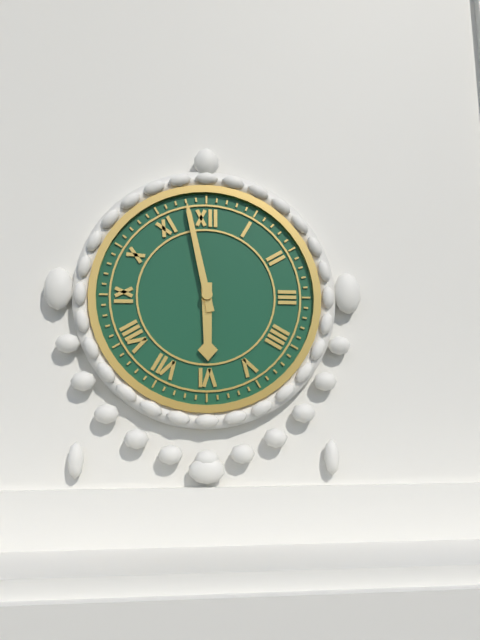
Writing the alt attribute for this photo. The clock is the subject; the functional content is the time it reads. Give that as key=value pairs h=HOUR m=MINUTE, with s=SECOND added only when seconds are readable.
h=5 m=58
